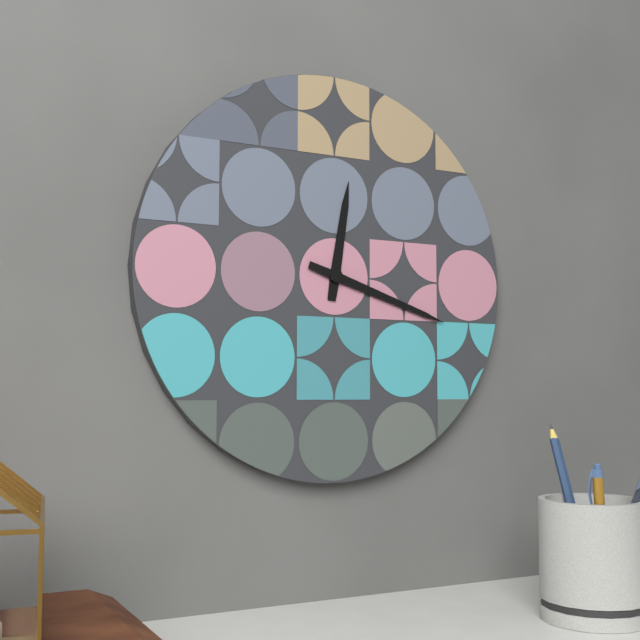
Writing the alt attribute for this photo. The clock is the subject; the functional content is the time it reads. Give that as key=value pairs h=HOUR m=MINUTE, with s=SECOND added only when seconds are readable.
h=12 m=18
